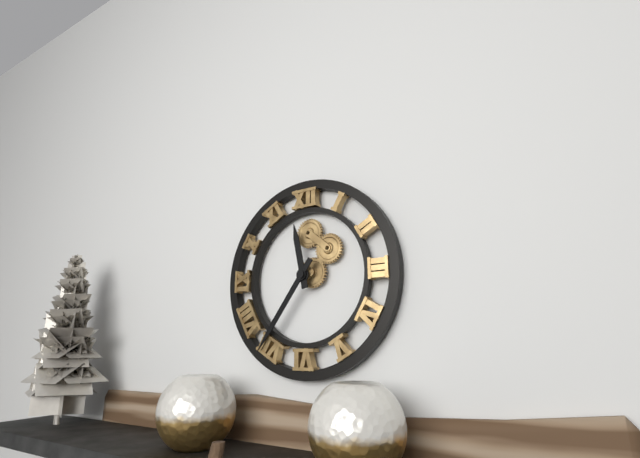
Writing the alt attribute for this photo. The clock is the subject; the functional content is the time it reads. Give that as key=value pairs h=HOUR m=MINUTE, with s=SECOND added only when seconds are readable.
h=11 m=36
